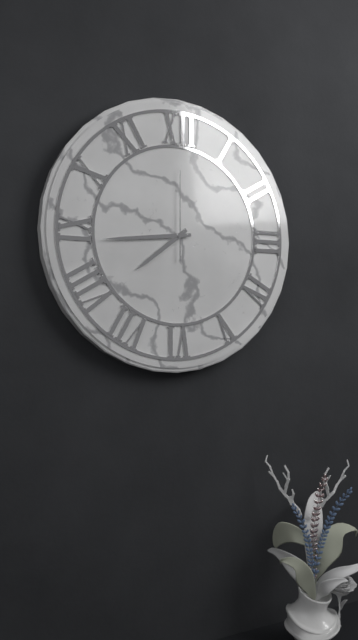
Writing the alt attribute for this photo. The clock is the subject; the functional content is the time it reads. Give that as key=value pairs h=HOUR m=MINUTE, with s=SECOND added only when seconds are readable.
h=7 m=44 s=0
